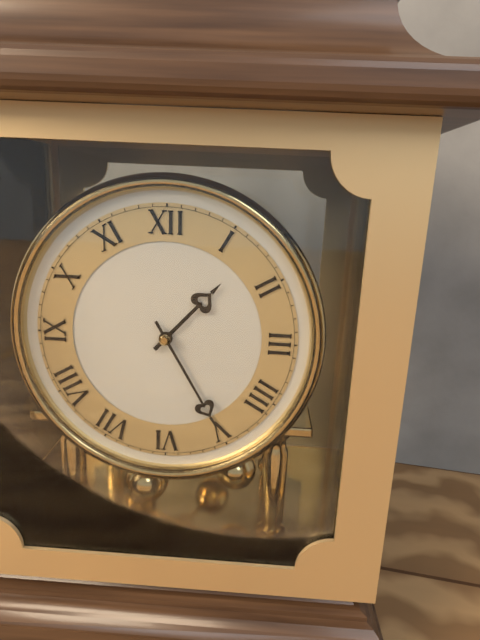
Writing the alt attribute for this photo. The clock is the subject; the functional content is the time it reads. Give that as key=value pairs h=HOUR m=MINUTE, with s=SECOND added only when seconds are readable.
h=1 m=25
